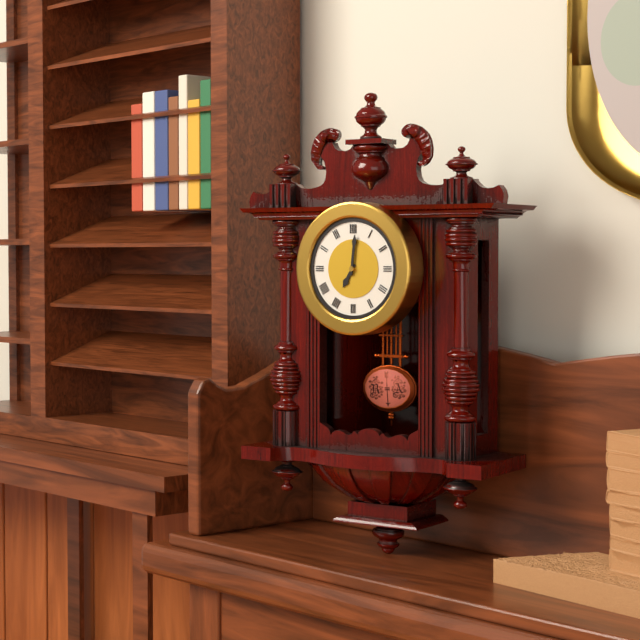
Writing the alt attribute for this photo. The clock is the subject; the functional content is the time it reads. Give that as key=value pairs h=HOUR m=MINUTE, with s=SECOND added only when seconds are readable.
h=7 m=1
